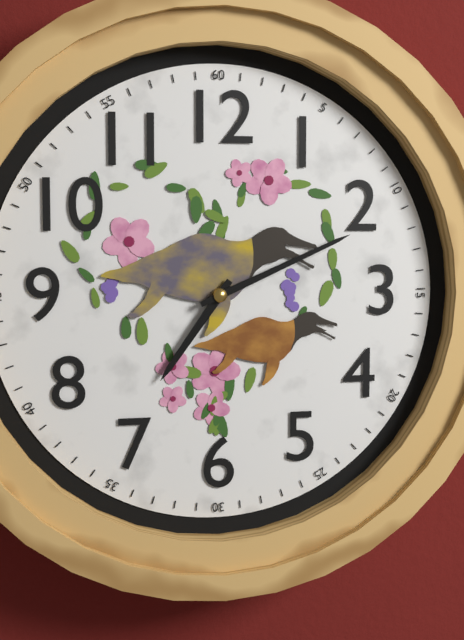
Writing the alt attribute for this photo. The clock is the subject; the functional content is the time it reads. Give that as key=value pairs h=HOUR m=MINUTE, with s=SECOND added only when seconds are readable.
h=7 m=11
